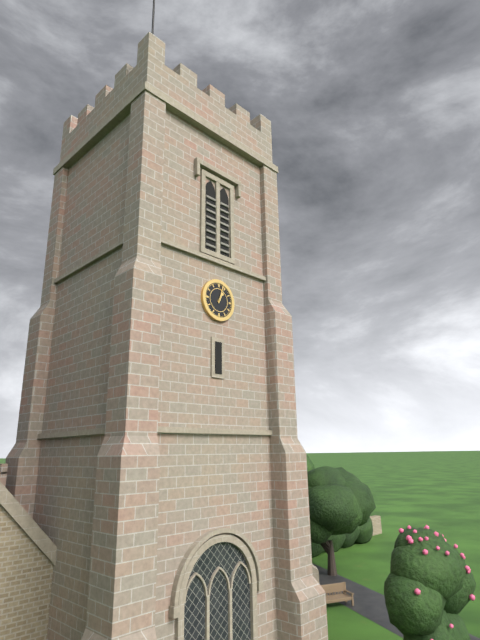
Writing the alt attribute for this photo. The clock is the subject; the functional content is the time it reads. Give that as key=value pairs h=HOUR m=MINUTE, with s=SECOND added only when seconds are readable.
h=1 m=3
